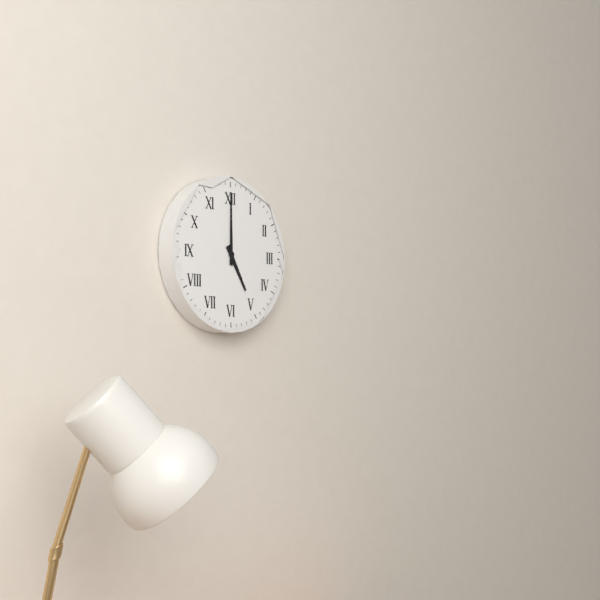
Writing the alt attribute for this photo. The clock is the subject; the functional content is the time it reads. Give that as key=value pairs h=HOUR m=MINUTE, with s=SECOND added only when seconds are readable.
h=5 m=0
